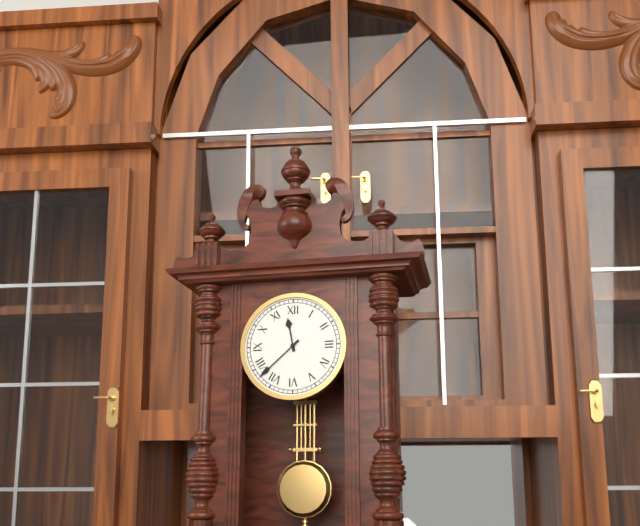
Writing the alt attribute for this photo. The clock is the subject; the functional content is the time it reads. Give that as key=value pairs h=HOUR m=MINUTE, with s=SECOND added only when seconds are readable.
h=11 m=38
